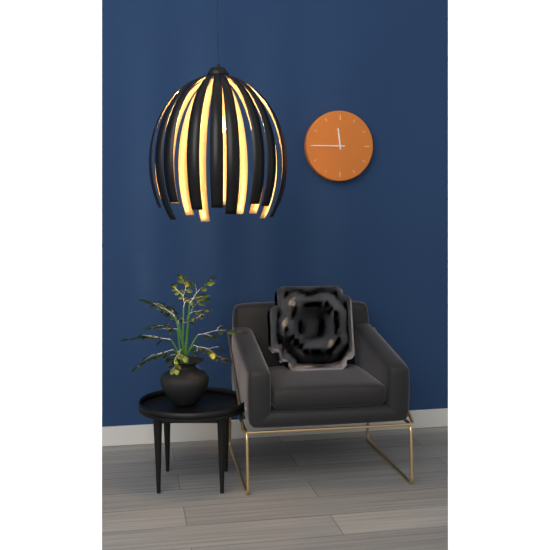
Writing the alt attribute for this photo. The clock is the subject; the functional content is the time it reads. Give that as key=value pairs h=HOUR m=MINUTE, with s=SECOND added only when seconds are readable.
h=11 m=45
